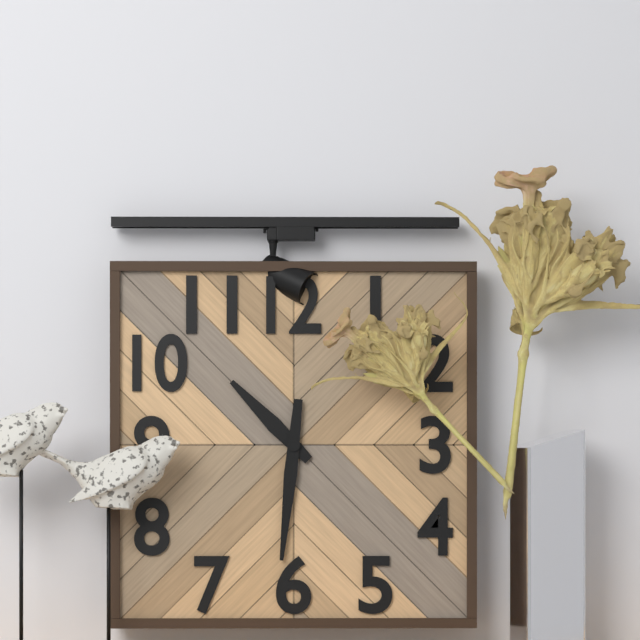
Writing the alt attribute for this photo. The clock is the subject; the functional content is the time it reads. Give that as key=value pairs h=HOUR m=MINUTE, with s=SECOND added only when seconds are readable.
h=10 m=31
